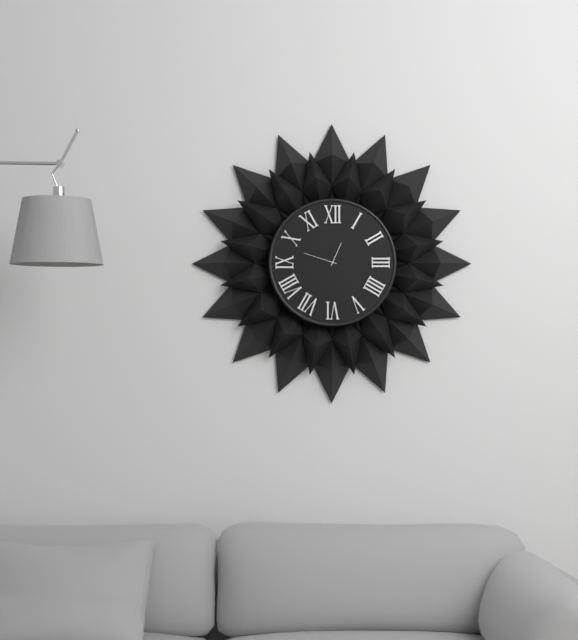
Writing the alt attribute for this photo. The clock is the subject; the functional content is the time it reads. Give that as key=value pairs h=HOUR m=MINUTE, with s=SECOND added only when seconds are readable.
h=12 m=48
